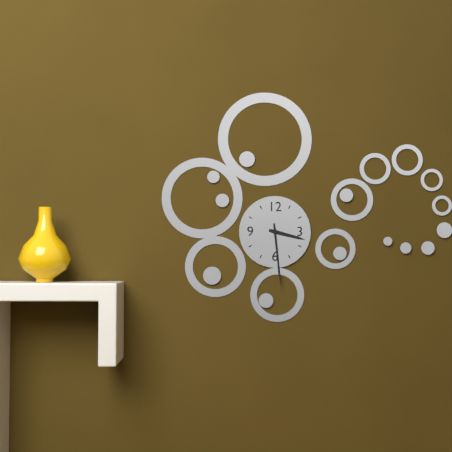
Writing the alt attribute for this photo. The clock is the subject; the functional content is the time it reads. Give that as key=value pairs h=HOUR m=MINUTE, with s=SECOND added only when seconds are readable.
h=3 m=29
